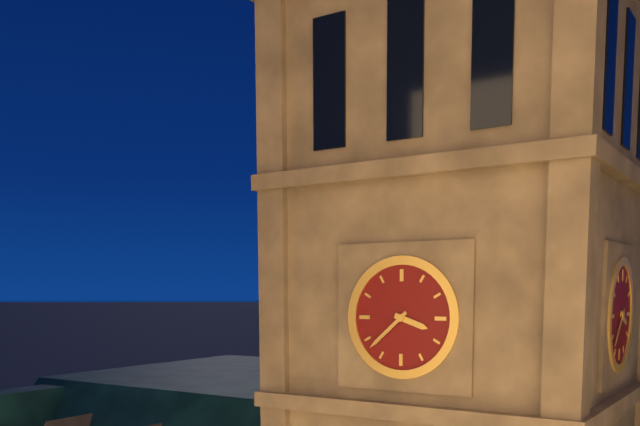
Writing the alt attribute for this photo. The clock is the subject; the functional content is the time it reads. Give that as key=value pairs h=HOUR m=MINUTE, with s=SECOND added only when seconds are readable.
h=3 m=38
